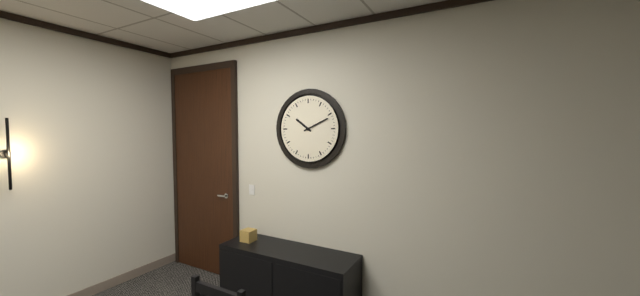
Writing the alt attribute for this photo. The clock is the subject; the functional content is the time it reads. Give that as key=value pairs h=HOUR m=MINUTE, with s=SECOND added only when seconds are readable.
h=10 m=11
